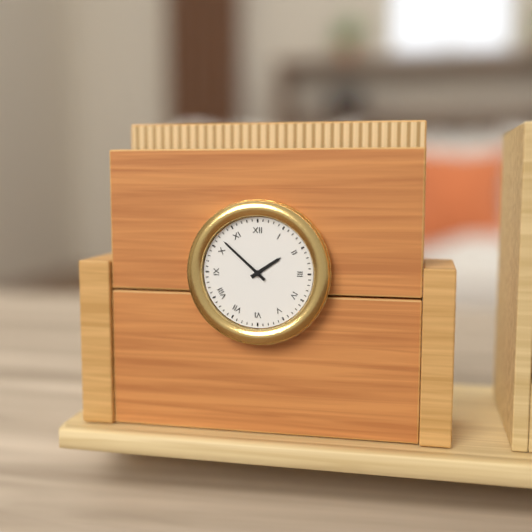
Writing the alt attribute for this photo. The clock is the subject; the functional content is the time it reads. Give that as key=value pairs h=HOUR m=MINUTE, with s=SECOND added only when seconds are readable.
h=1 m=52
